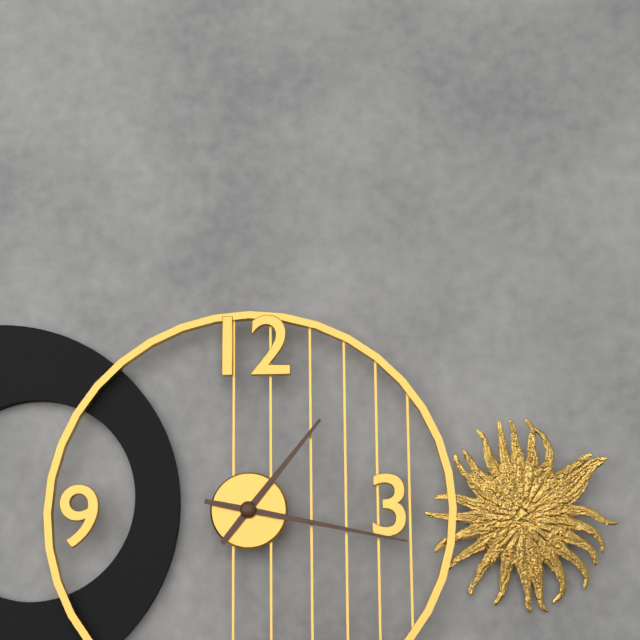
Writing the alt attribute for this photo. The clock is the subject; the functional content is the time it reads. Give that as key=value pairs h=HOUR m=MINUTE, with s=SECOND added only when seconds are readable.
h=1 m=17
